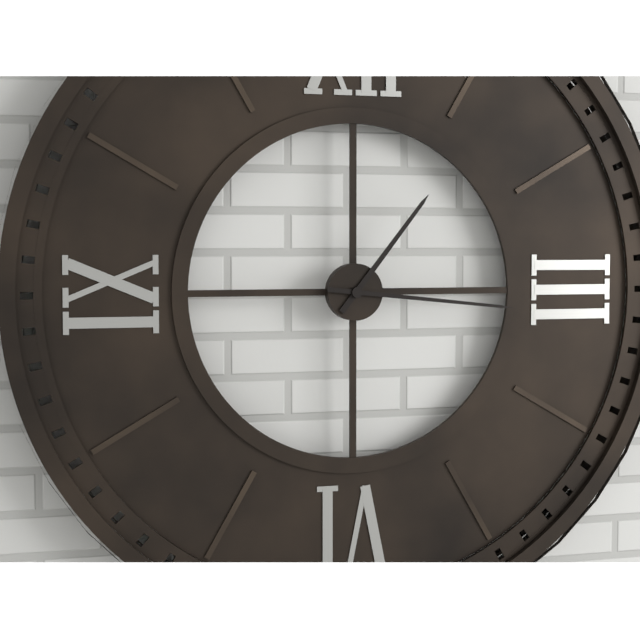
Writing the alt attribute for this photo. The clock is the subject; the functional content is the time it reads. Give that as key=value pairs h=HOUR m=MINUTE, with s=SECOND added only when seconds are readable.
h=1 m=16
